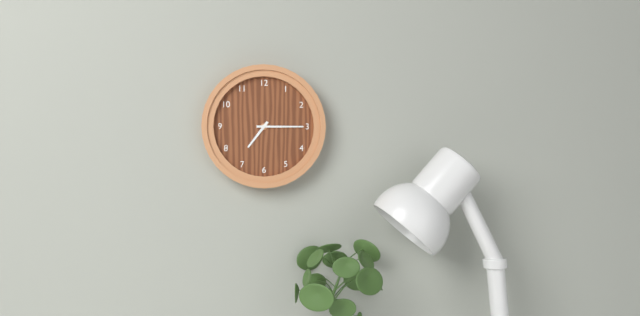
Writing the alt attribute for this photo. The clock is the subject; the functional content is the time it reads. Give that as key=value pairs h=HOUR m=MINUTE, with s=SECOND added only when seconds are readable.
h=7 m=15
